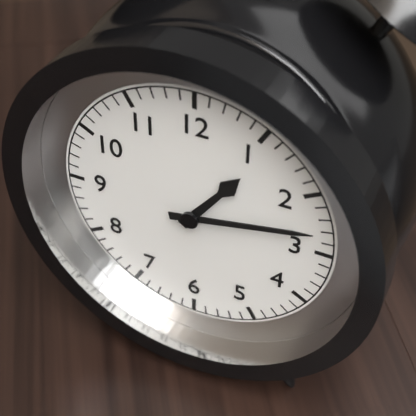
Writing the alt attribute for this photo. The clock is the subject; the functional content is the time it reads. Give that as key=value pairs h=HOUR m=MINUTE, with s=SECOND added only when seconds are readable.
h=1 m=13
